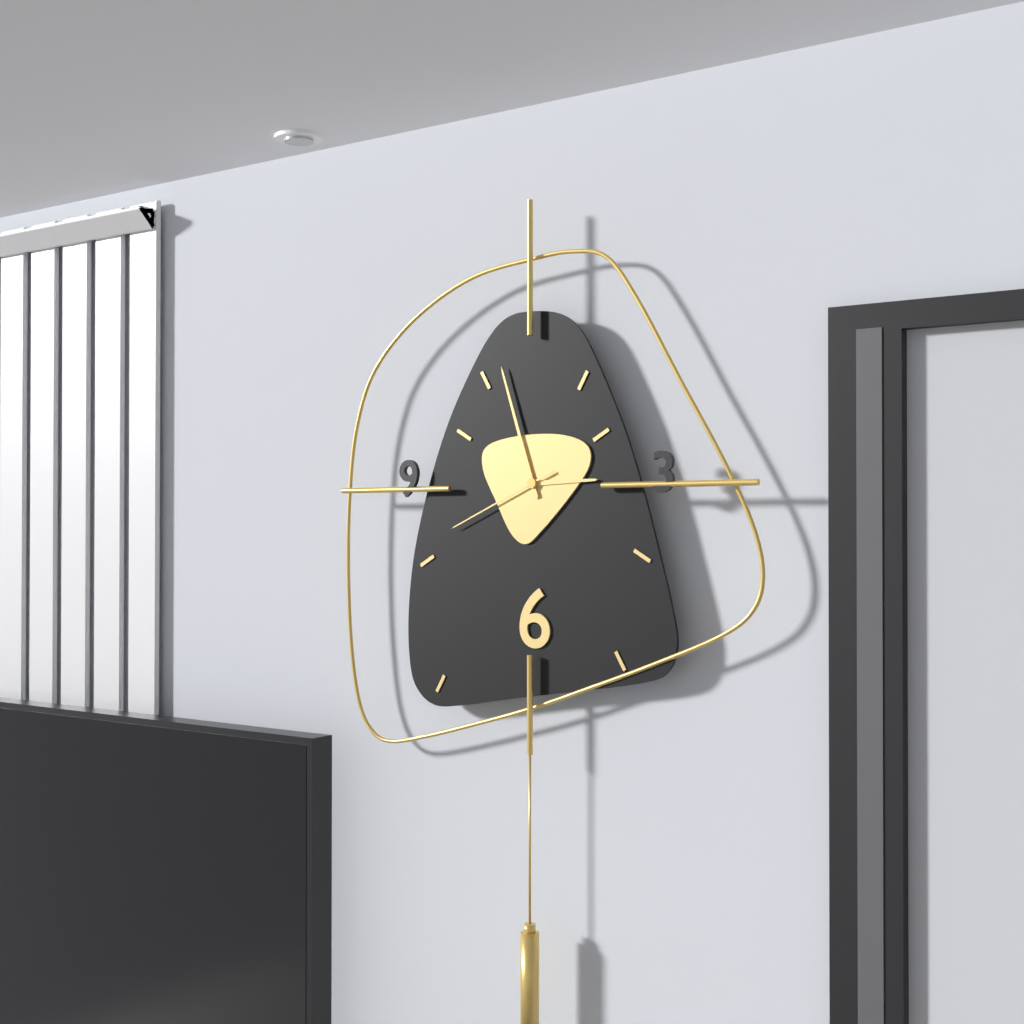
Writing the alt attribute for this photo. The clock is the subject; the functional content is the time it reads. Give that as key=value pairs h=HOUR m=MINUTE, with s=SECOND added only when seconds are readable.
h=2 m=57 s=41
